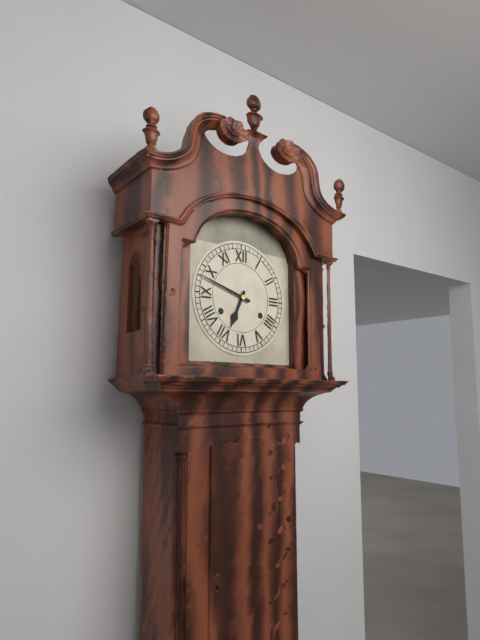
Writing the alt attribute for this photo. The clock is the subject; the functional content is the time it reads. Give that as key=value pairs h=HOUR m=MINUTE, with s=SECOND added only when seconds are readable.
h=6 m=48
